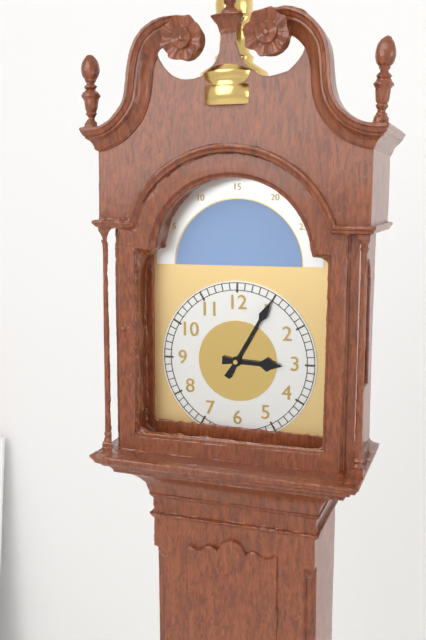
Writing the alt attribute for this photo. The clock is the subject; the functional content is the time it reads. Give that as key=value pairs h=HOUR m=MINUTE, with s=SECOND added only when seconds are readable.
h=3 m=5
